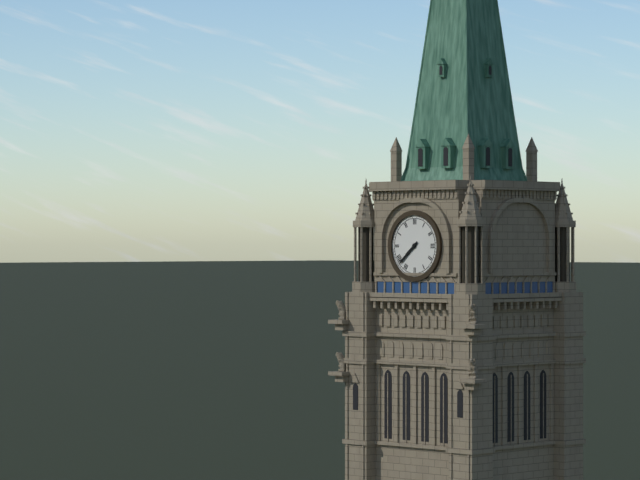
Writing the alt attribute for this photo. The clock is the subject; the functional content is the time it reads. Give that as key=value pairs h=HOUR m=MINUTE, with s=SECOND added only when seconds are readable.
h=7 m=38
